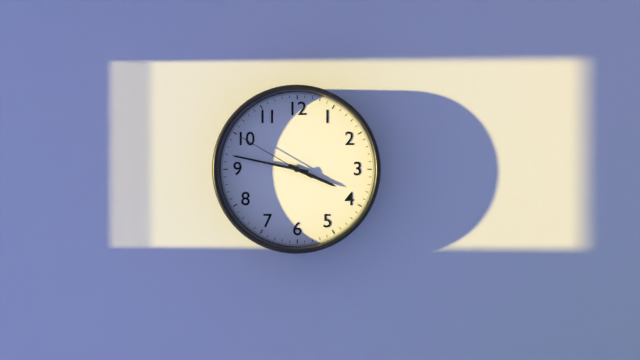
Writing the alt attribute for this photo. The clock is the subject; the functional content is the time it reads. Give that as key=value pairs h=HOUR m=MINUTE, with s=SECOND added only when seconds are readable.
h=3 m=47 s=50
